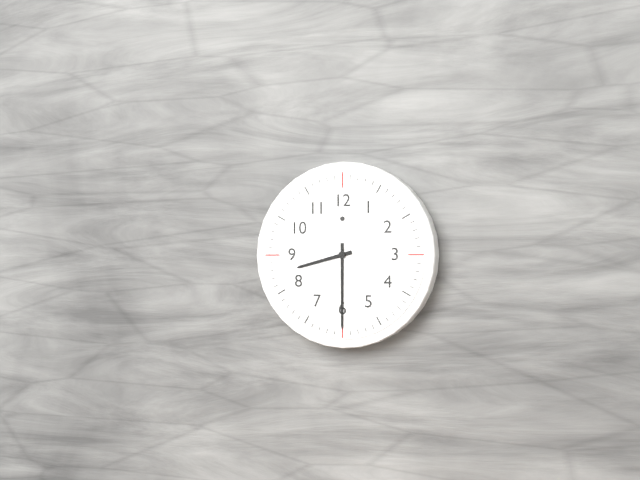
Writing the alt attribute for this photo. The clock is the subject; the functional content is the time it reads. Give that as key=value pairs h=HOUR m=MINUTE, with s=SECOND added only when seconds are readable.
h=8 m=30
